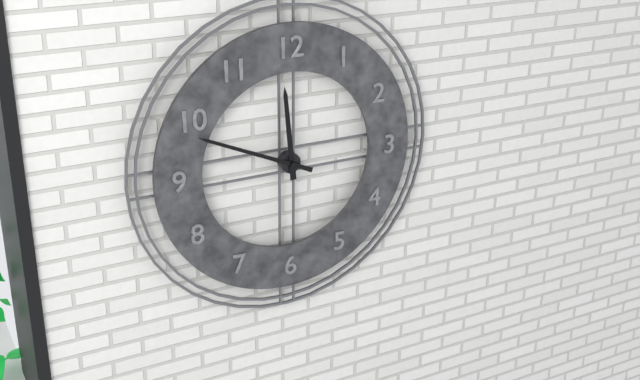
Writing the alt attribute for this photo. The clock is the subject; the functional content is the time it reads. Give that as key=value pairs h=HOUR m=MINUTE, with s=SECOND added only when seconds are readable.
h=11 m=49
